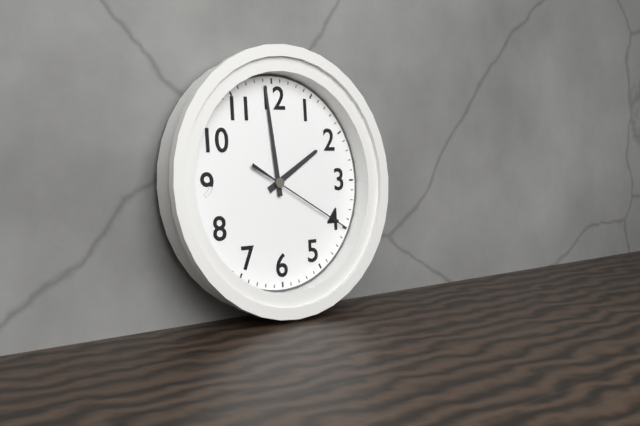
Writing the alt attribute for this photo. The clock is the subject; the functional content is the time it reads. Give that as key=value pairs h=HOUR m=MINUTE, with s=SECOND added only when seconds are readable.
h=1 m=59 s=20
